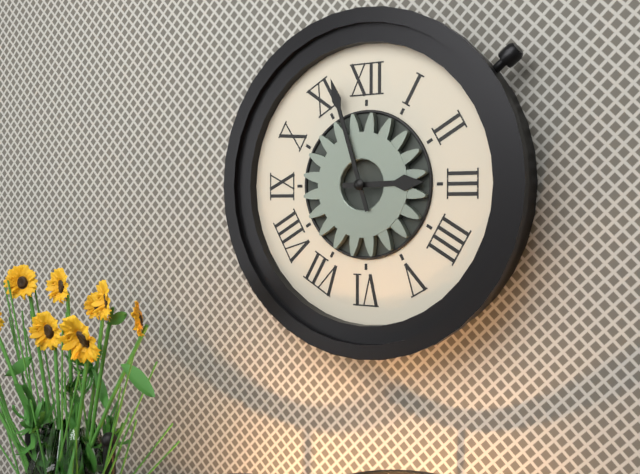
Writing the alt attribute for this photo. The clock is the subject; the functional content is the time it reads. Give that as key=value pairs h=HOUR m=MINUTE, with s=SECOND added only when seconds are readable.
h=2 m=57
